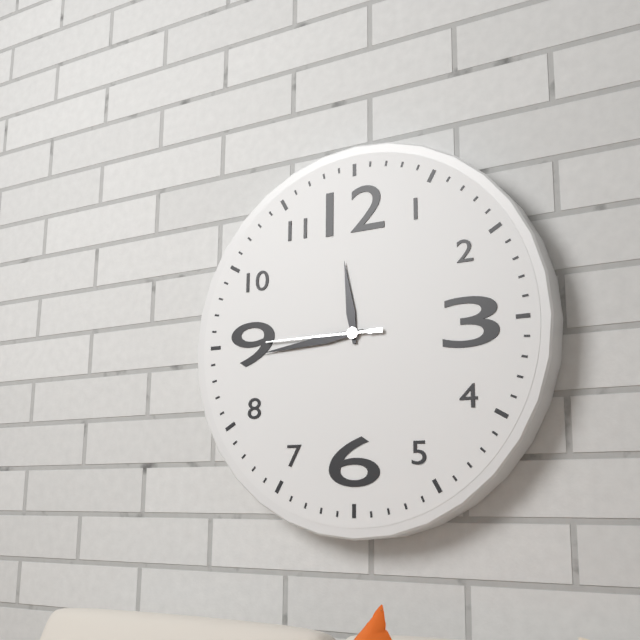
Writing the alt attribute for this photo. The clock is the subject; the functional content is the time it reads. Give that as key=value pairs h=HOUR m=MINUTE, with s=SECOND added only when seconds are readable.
h=11 m=44 s=45
